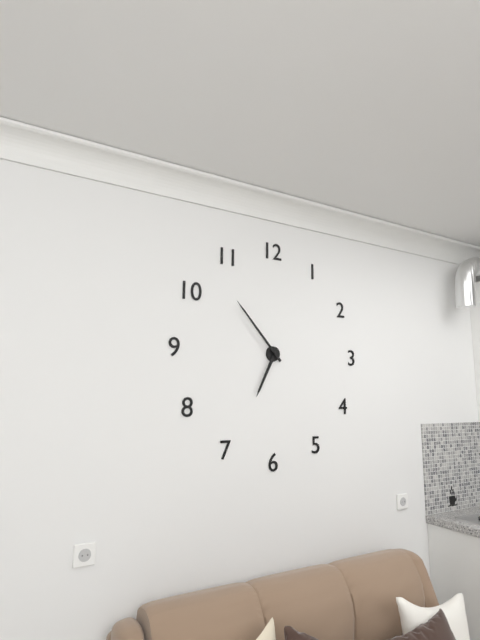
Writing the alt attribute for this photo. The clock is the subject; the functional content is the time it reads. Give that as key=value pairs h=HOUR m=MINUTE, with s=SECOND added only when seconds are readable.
h=6 m=53
